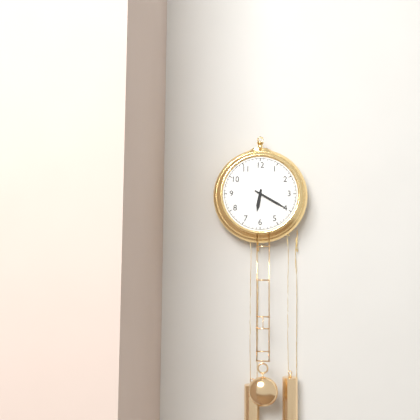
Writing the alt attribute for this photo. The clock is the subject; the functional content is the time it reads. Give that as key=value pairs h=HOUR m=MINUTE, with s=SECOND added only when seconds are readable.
h=6 m=20
